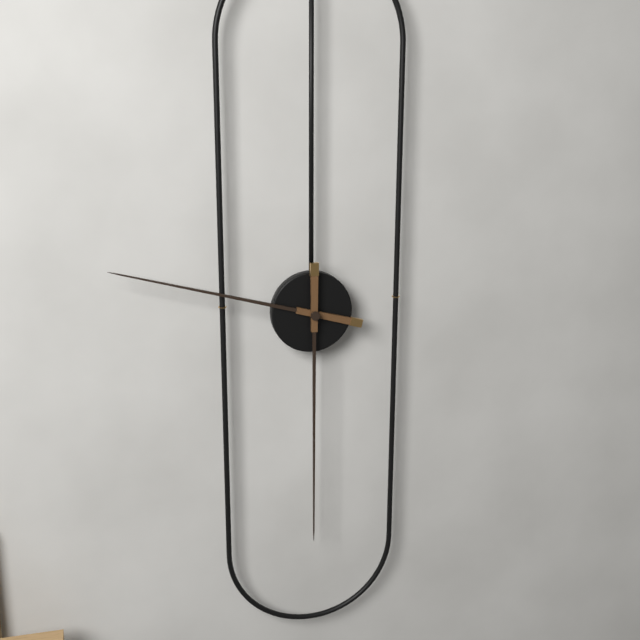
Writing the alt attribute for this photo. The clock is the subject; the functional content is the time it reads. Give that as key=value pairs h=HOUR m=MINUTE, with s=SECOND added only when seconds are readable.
h=9 m=30
